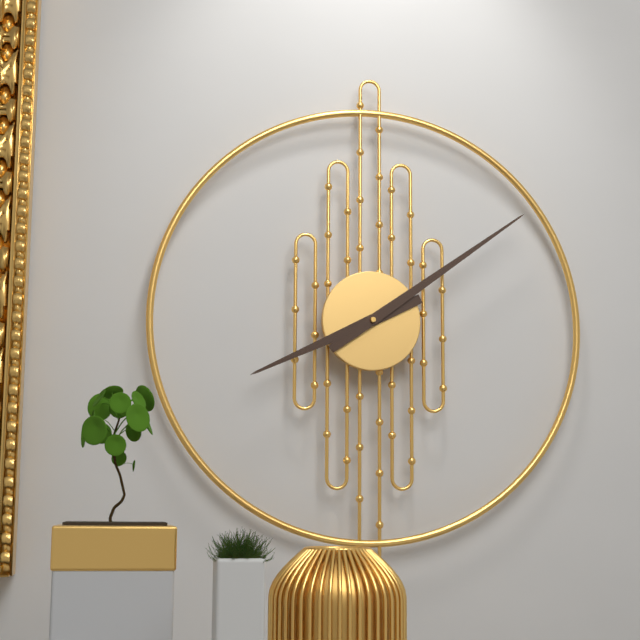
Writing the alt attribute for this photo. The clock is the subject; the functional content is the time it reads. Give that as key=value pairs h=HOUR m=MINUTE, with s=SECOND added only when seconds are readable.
h=8 m=9
